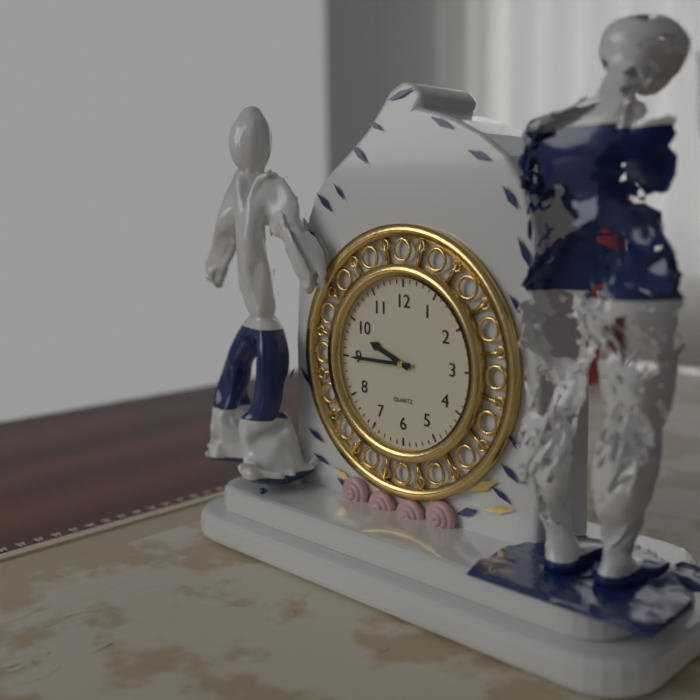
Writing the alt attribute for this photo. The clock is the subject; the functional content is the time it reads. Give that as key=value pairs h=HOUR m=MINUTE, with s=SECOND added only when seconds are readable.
h=9 m=45
